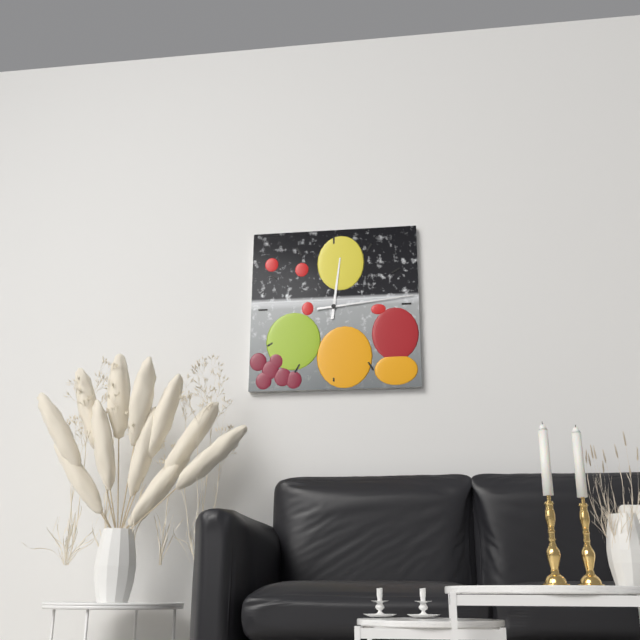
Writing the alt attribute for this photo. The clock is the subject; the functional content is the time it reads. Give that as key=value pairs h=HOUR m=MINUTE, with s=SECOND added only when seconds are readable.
h=12 m=14
